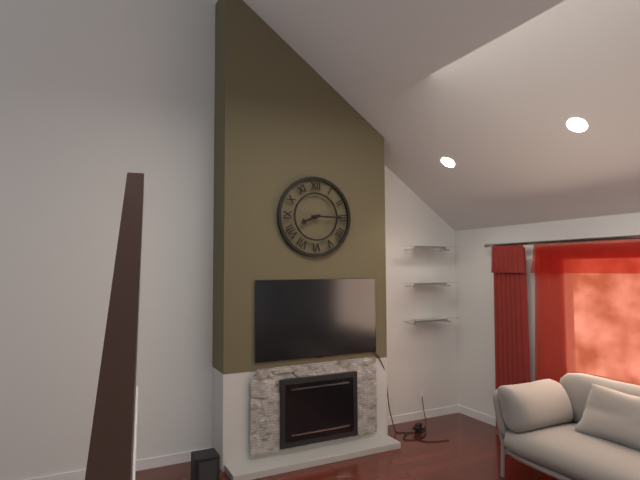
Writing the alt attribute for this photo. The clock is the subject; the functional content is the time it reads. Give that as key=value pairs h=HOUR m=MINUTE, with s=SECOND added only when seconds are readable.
h=8 m=15
